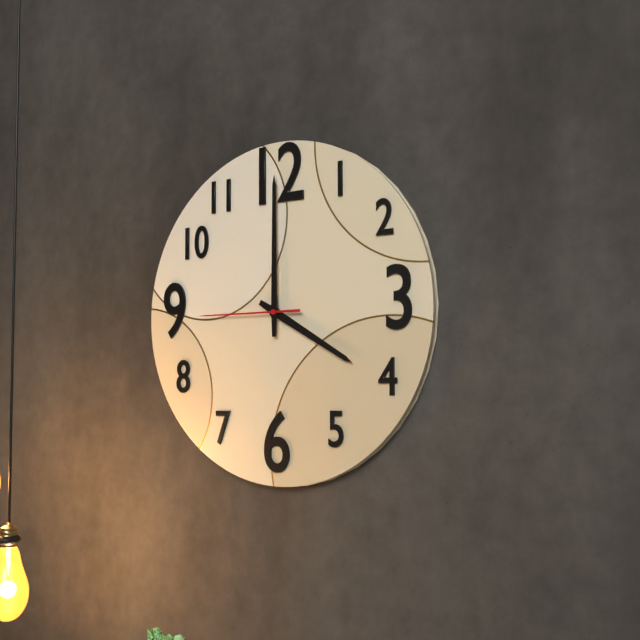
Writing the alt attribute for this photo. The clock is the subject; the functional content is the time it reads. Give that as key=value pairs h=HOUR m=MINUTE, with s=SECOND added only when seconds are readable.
h=4 m=0 s=45
